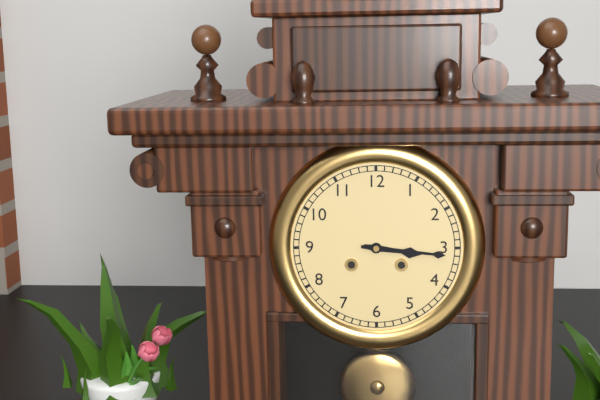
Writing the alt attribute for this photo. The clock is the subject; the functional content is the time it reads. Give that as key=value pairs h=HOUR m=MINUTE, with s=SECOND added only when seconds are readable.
h=3 m=16
